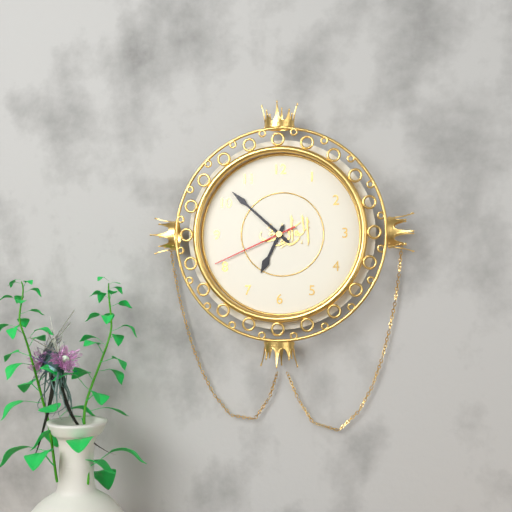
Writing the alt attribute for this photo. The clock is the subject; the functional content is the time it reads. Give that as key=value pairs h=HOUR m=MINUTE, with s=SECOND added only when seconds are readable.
h=6 m=52 s=41
